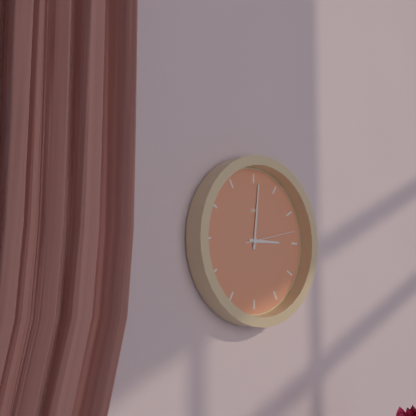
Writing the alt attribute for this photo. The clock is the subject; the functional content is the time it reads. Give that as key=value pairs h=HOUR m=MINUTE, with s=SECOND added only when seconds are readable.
h=3 m=1 s=13
